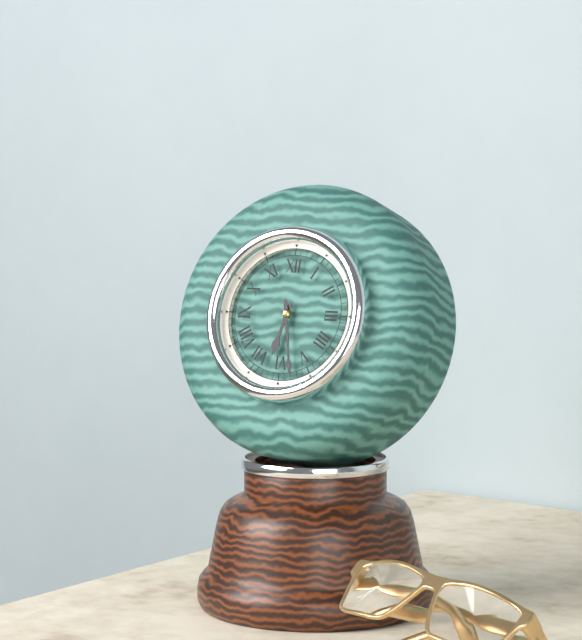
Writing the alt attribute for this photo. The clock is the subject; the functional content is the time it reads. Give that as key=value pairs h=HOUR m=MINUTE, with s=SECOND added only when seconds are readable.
h=6 m=28
